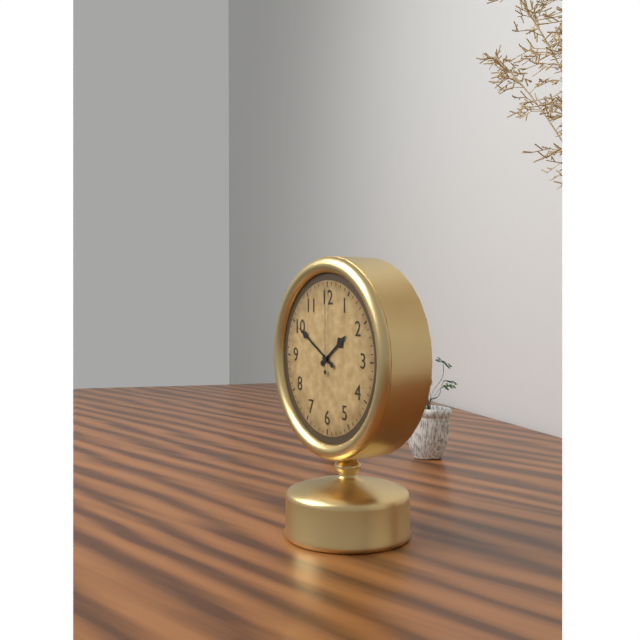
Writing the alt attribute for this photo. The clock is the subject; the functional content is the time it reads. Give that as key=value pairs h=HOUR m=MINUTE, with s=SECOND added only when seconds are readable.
h=1 m=50 s=0
